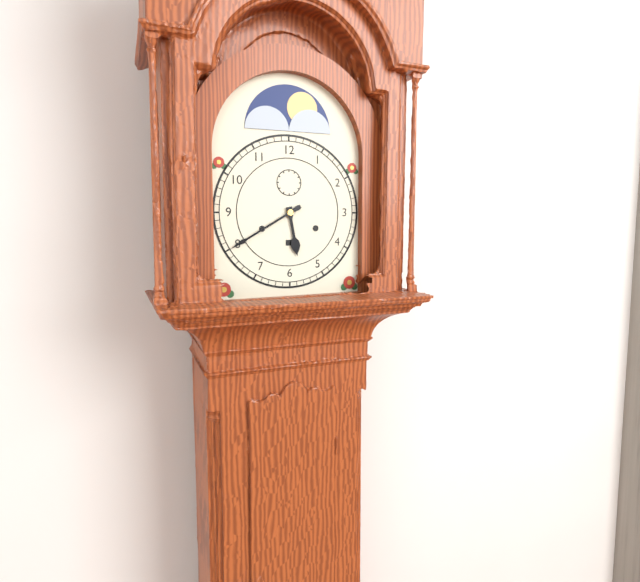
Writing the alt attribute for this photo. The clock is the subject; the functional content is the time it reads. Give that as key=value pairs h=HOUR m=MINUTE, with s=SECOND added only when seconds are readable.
h=5 m=40
